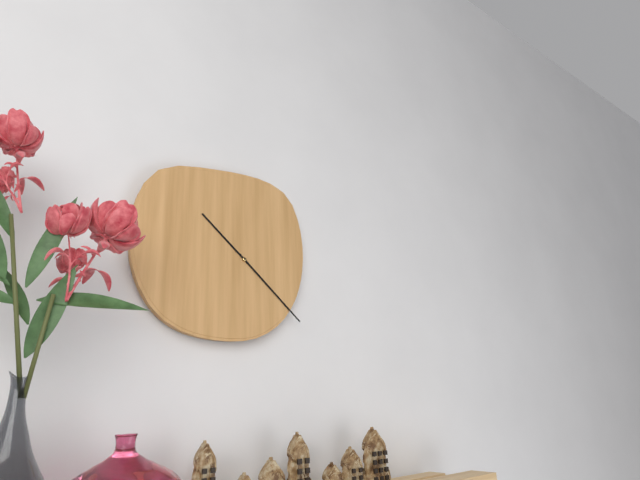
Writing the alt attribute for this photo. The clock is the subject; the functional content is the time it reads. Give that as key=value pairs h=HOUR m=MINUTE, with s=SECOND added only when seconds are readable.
h=10 m=22
